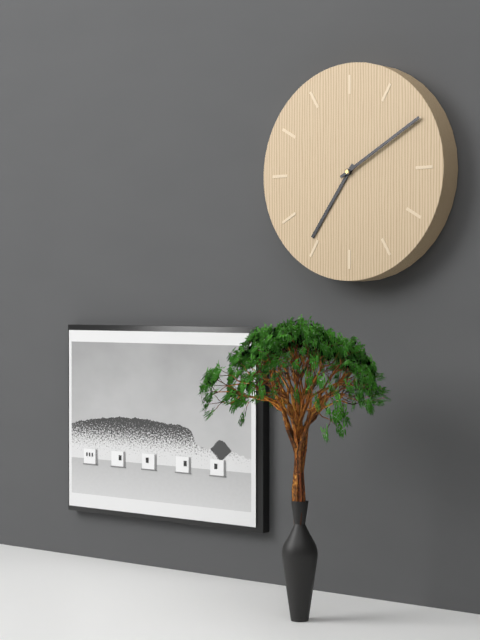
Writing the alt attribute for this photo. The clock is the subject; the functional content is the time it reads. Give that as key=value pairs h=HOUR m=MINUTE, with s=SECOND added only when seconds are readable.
h=7 m=10
